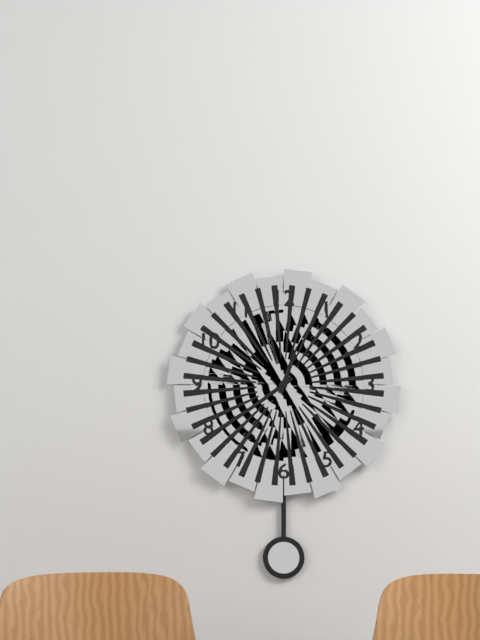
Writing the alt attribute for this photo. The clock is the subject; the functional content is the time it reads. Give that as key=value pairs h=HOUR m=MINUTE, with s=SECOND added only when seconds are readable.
h=12 m=39
